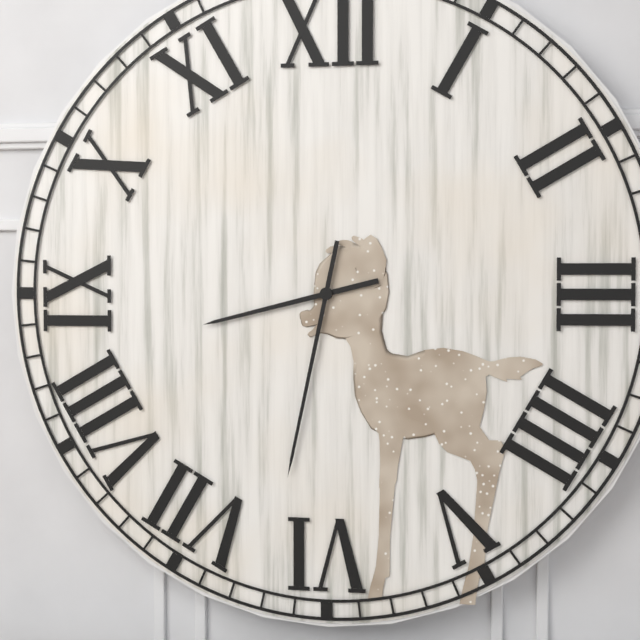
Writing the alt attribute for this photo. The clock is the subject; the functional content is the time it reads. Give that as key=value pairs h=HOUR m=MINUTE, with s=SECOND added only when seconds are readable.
h=8 m=32
